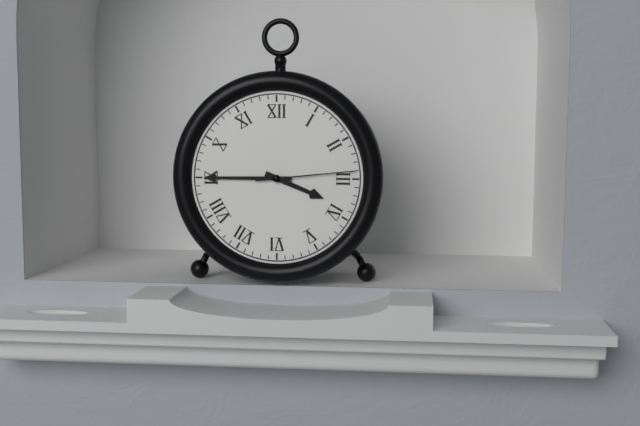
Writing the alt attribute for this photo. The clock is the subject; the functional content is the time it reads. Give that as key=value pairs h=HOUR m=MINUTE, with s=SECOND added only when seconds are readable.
h=3 m=45 s=14
